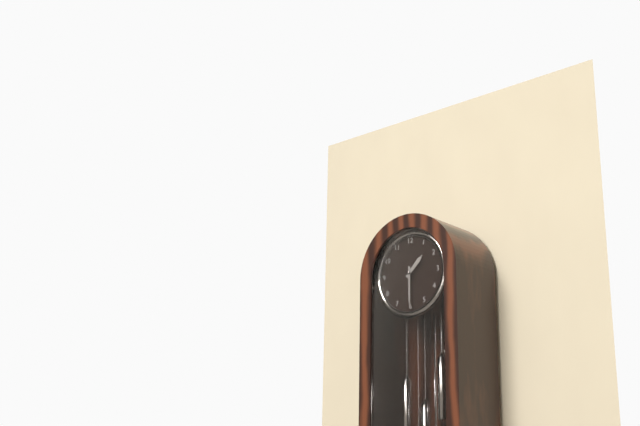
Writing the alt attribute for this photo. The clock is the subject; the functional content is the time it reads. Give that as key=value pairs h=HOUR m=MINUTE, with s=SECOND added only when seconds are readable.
h=1 m=30
